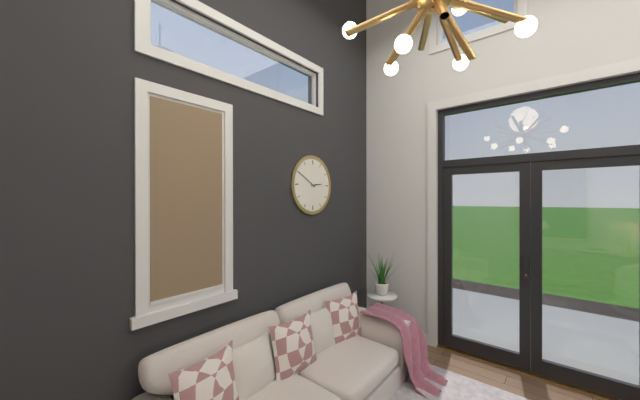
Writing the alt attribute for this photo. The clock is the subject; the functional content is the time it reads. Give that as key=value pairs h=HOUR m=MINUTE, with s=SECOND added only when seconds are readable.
h=2 m=50
